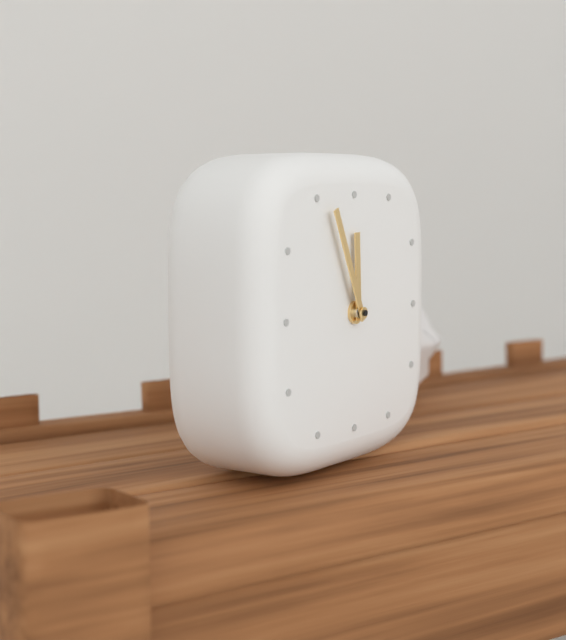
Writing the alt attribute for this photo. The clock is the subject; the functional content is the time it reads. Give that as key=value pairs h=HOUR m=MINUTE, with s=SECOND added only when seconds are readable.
h=11 m=56
